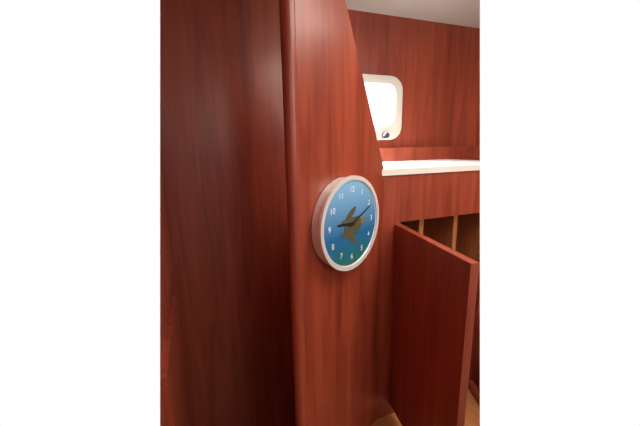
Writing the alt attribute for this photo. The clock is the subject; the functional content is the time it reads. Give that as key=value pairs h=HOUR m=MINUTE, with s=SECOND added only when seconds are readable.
h=9 m=11
